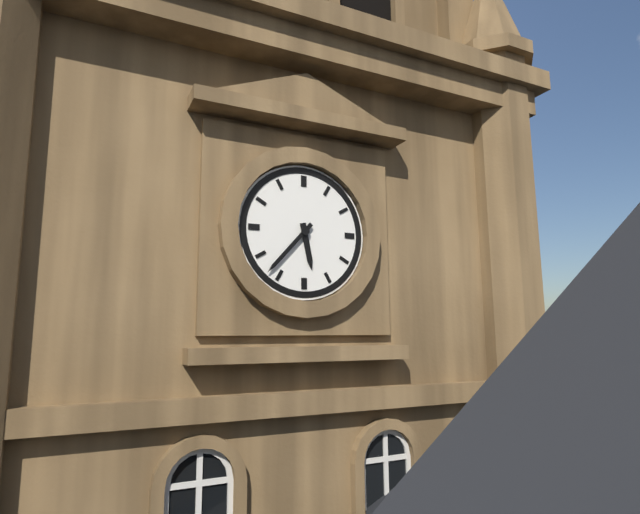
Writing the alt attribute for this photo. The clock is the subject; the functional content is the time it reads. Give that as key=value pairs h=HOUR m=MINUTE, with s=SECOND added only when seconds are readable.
h=5 m=37
